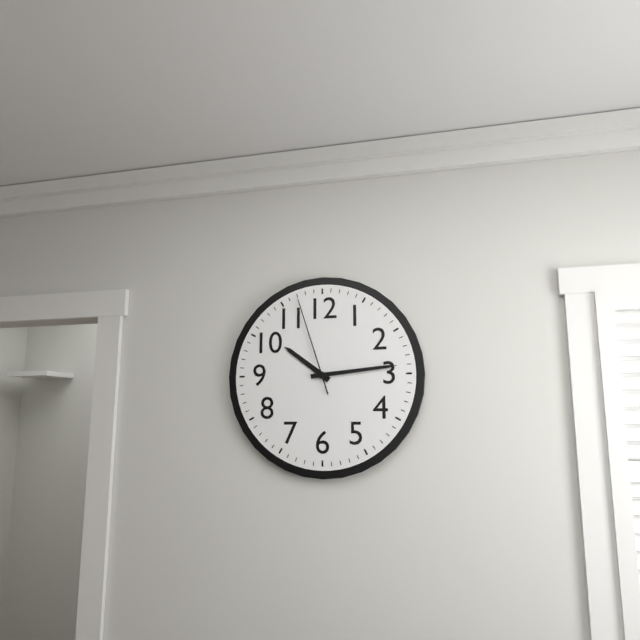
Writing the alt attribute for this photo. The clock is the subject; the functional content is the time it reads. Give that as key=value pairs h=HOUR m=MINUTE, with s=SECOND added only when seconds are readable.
h=10 m=14 s=57
